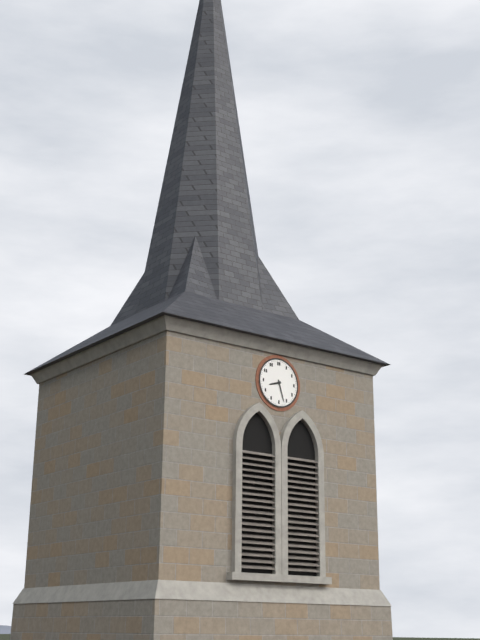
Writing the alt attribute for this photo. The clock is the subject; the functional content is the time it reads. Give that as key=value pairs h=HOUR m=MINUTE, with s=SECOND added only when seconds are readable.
h=8 m=27
